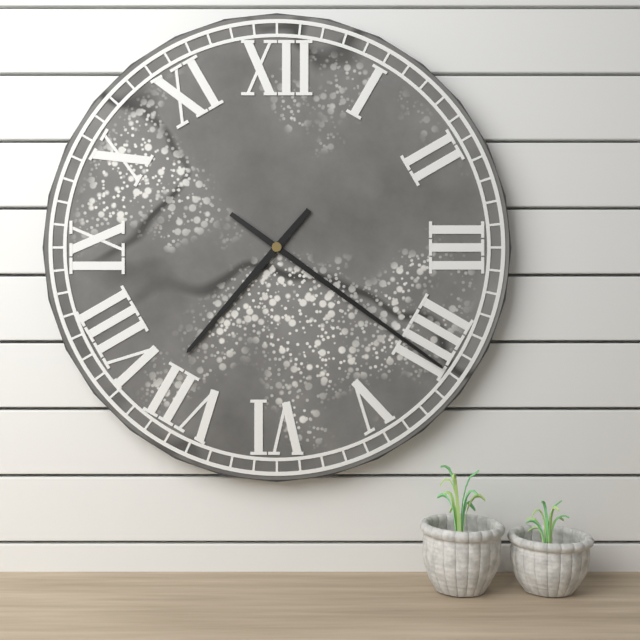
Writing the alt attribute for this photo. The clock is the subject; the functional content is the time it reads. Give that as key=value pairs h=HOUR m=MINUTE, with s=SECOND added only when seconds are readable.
h=7 m=21
